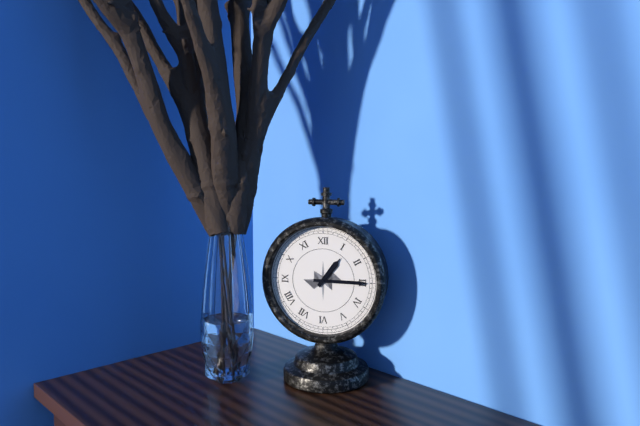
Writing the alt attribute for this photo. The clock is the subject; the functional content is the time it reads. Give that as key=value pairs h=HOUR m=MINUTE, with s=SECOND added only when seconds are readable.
h=1 m=15
